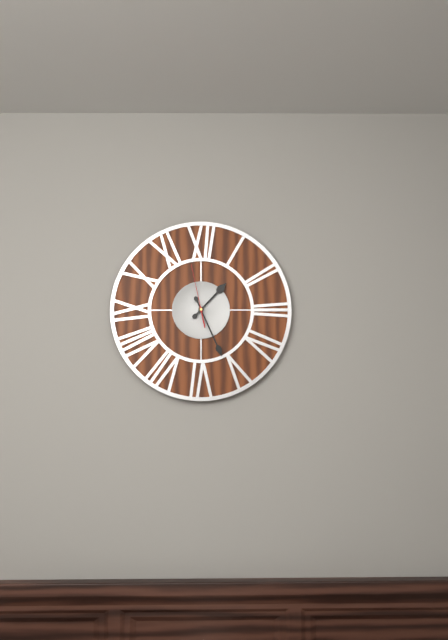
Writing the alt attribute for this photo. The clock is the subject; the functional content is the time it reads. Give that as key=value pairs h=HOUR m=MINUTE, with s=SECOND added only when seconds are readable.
h=1 m=26 s=58
